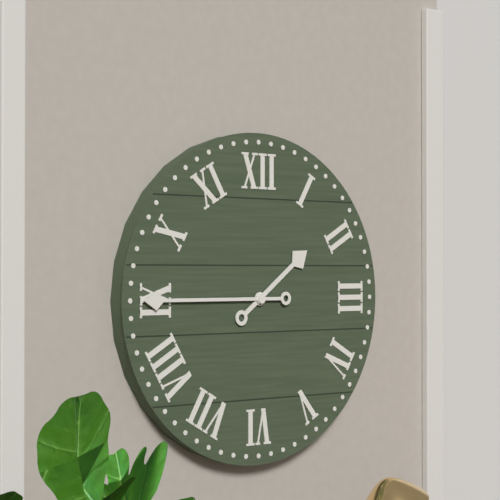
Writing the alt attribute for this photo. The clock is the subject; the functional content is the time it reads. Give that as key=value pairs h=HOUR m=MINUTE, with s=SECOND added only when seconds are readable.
h=1 m=45
